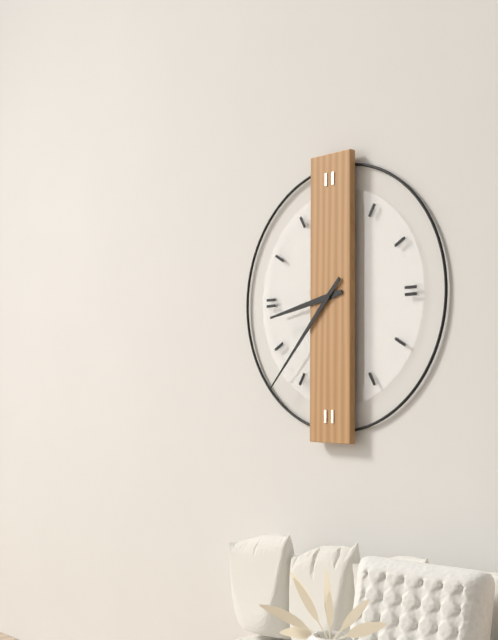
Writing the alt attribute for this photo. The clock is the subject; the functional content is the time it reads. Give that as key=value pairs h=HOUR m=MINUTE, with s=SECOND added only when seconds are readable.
h=8 m=37
